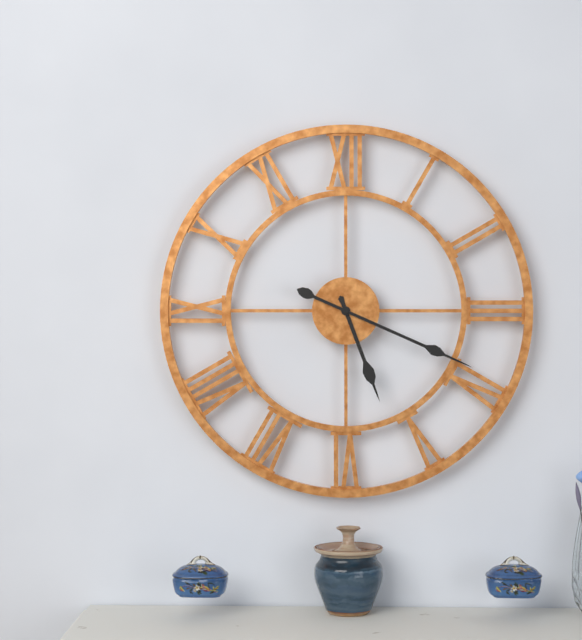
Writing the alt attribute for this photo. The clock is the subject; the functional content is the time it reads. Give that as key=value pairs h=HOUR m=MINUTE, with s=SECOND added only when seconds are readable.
h=5 m=19
